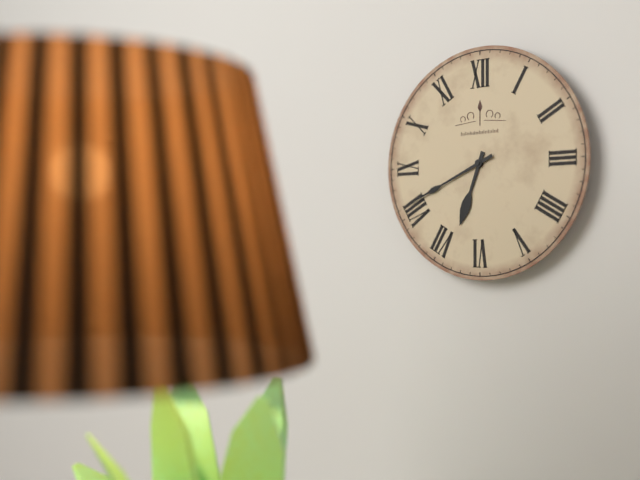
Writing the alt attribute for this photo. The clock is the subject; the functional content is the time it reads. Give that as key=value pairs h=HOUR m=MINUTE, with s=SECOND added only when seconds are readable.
h=6 m=41
